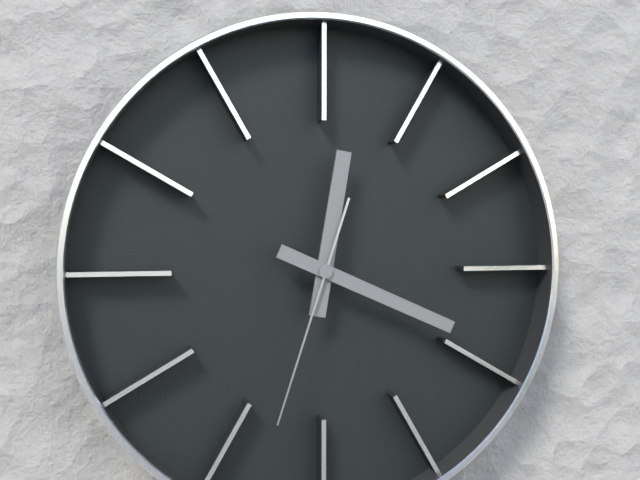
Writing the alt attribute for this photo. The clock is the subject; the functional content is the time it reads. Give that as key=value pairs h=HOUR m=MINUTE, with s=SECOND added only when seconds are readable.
h=12 m=19 s=33
